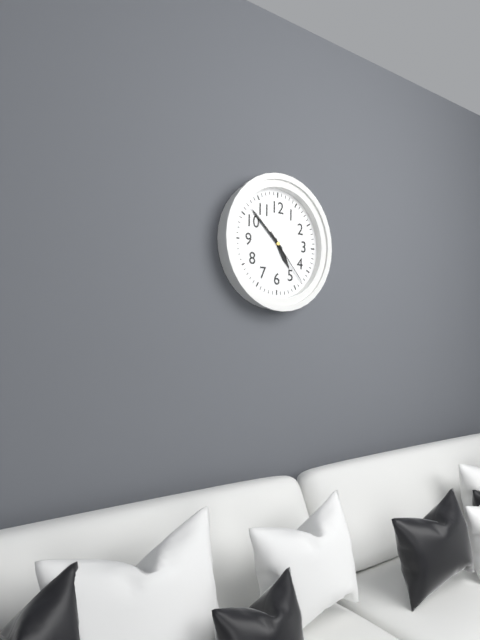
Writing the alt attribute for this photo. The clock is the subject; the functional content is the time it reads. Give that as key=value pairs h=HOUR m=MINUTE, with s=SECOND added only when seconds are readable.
h=4 m=52 s=23
